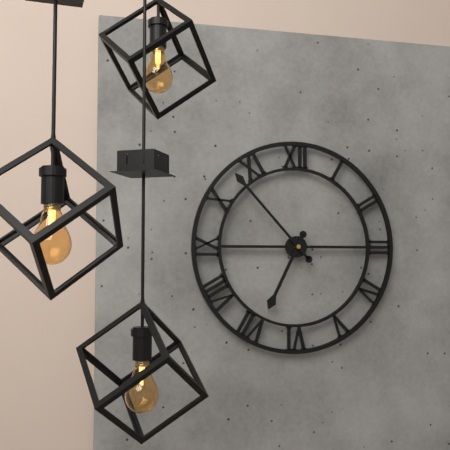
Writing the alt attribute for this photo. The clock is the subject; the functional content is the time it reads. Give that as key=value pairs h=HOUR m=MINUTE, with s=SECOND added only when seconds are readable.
h=6 m=53
